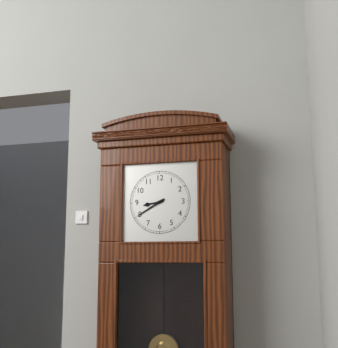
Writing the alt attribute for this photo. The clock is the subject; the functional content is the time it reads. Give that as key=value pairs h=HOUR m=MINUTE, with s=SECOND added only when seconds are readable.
h=8 m=40
